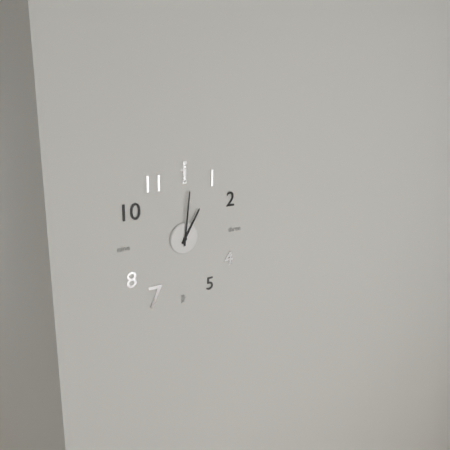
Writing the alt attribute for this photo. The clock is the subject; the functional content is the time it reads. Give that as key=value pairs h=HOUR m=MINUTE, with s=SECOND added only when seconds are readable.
h=1 m=1
